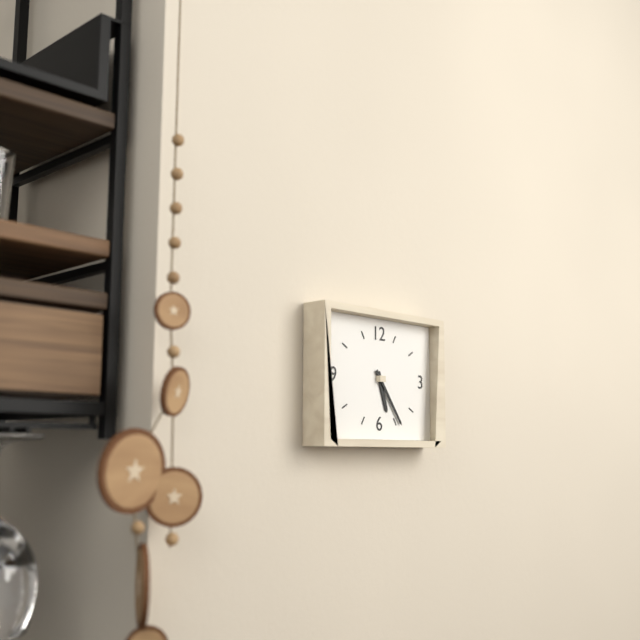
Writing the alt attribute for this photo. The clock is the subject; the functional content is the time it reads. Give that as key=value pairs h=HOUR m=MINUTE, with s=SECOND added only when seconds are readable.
h=5 m=24
